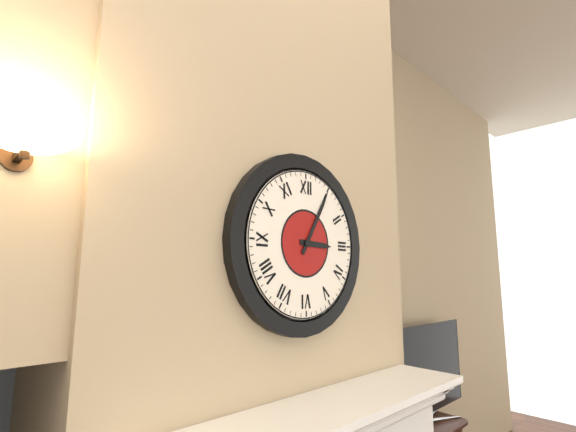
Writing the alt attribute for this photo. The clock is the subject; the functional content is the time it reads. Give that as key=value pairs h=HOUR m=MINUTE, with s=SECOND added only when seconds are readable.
h=3 m=5
